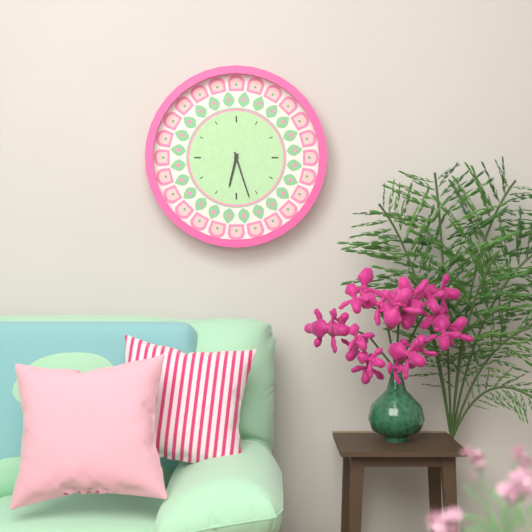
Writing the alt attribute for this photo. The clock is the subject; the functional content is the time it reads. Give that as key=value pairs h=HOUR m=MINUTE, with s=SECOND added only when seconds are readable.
h=6 m=27
